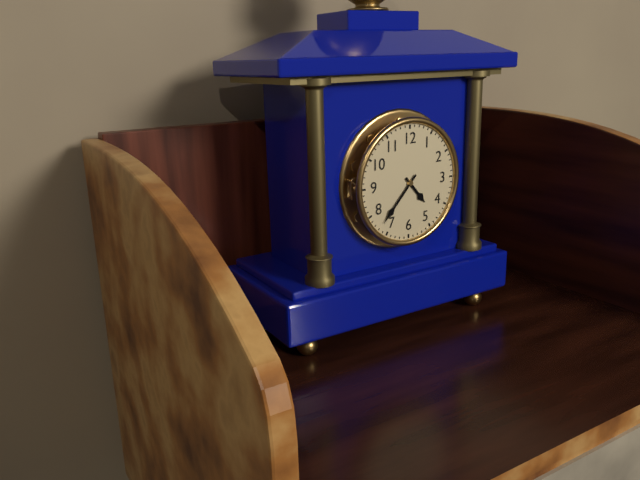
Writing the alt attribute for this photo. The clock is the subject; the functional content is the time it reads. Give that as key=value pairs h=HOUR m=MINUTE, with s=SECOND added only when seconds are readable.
h=4 m=37
